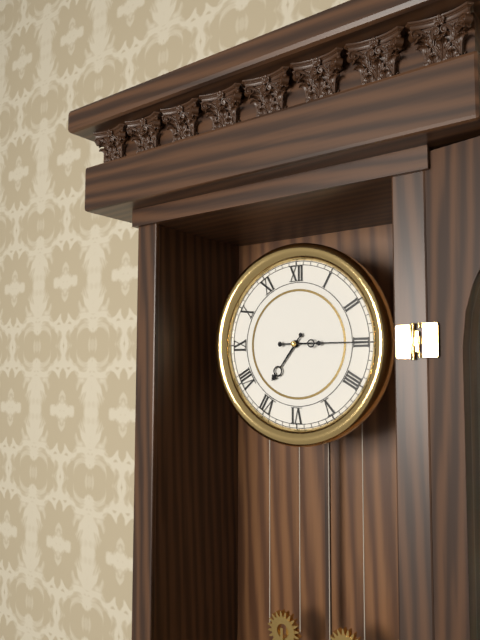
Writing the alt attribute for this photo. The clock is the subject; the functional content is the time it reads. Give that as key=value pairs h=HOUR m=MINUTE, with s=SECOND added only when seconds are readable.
h=7 m=15
